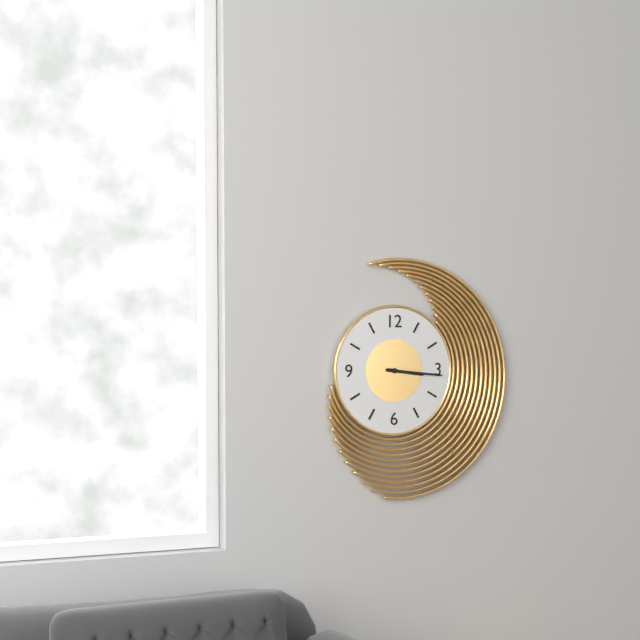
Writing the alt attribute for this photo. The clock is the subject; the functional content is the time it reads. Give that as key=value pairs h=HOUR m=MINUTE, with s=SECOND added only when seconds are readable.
h=3 m=16
